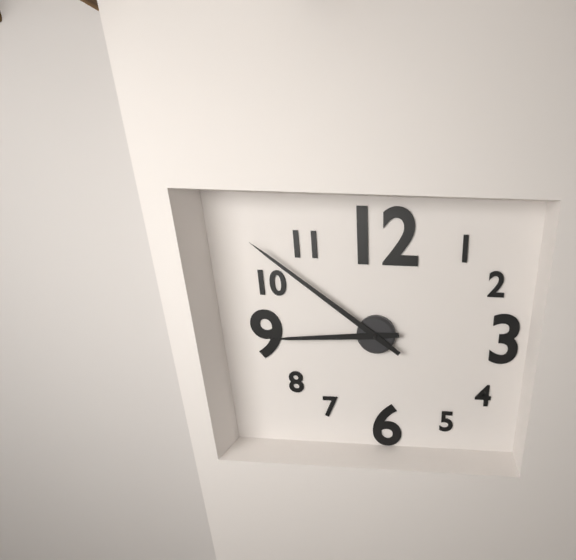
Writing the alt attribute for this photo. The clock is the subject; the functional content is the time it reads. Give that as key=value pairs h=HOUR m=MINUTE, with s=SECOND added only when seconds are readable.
h=8 m=51
